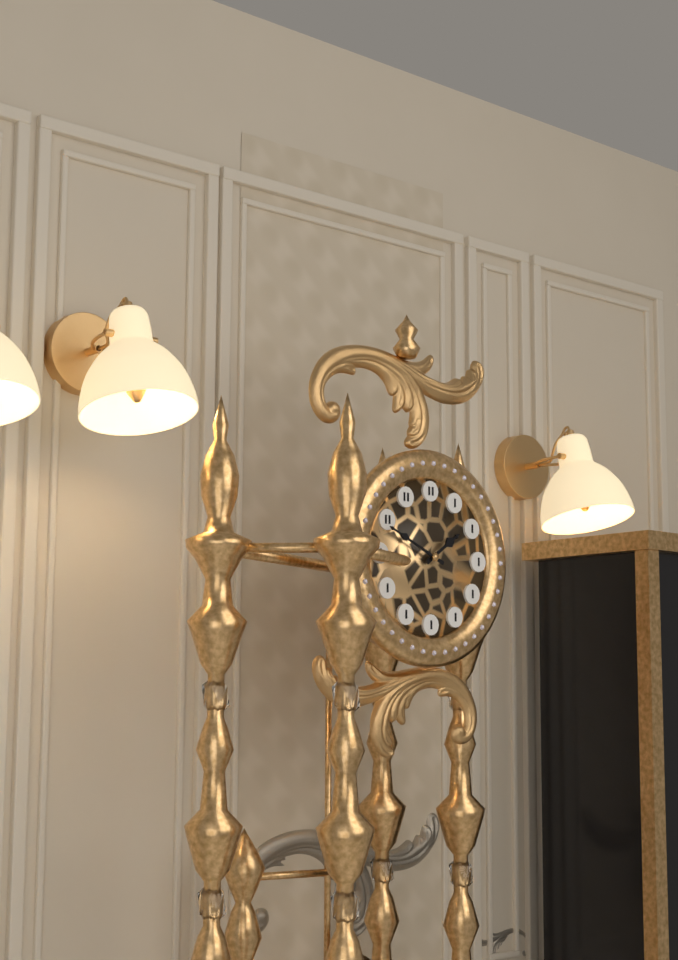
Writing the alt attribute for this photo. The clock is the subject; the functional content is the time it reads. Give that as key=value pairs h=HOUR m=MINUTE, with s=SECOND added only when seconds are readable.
h=1 m=49
